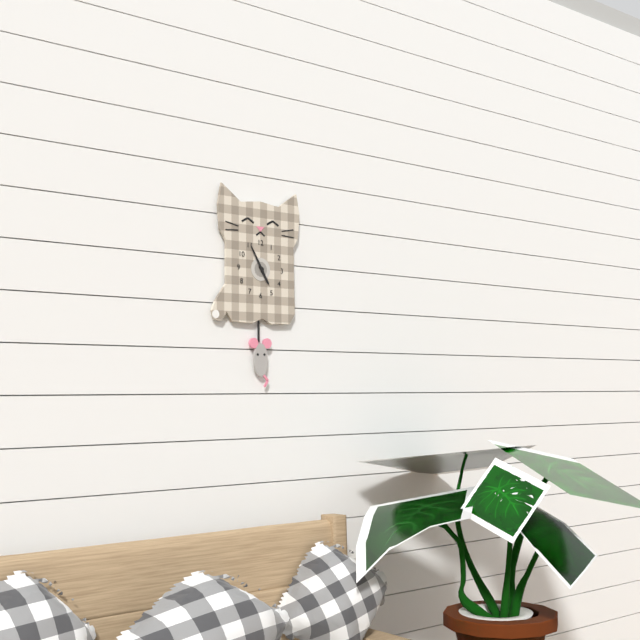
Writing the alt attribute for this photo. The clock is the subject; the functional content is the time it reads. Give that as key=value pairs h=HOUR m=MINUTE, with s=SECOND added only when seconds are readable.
h=4 m=55
